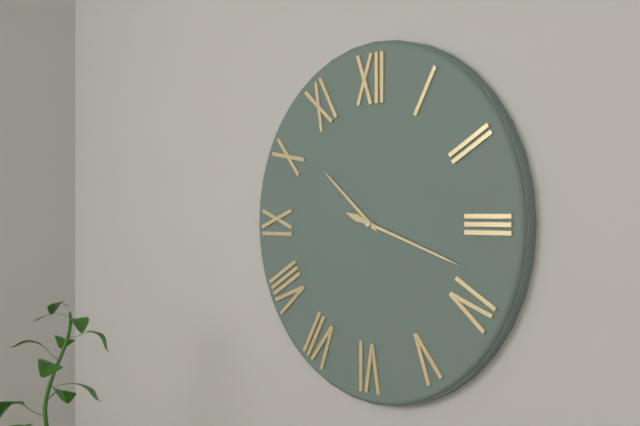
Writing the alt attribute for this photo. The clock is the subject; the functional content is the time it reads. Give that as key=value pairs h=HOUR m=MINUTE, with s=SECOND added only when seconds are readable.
h=10 m=18
